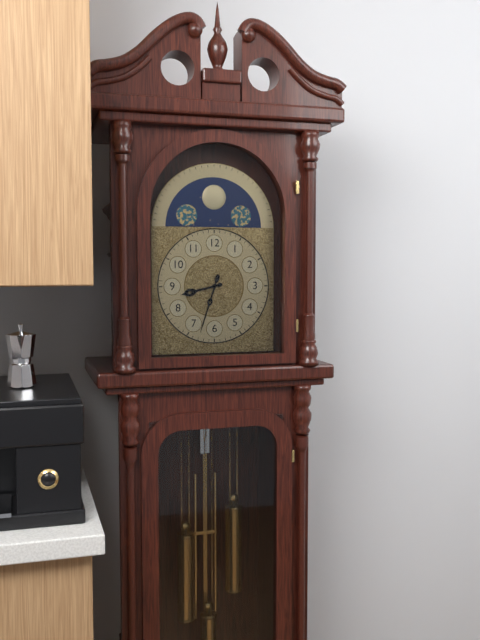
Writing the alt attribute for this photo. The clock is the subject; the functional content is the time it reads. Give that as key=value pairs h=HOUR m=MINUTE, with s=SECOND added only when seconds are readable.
h=8 m=33
